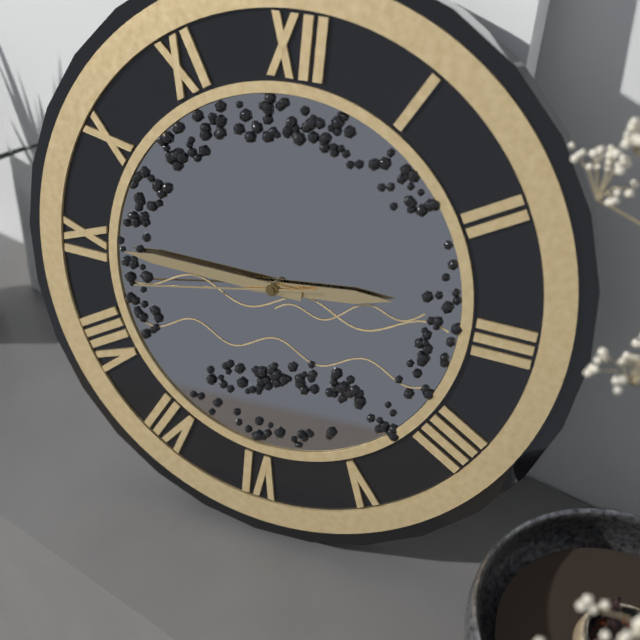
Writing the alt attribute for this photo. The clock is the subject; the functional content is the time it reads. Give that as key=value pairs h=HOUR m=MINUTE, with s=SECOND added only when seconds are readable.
h=2 m=45 s=43
